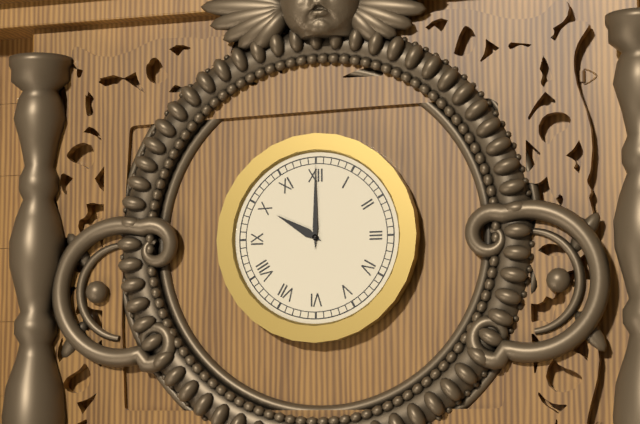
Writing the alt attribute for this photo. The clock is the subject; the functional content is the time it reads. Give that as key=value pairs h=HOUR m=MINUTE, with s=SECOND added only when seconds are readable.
h=10 m=0
